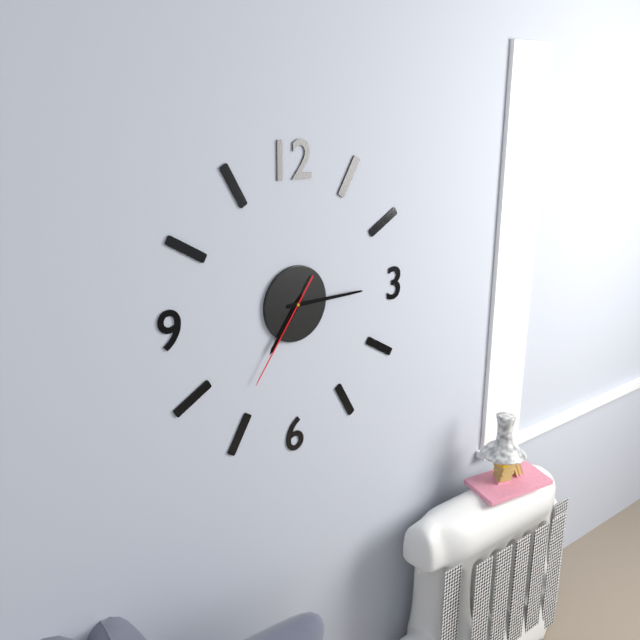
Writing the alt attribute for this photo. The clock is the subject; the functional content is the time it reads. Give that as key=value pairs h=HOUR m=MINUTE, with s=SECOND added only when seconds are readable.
h=7 m=15 s=36
